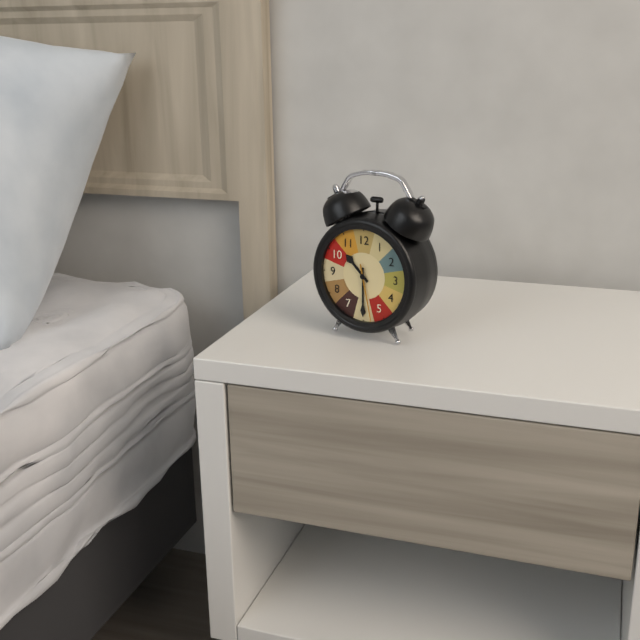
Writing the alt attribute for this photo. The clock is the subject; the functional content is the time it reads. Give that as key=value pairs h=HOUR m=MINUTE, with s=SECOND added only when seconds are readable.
h=10 m=30 s=28
